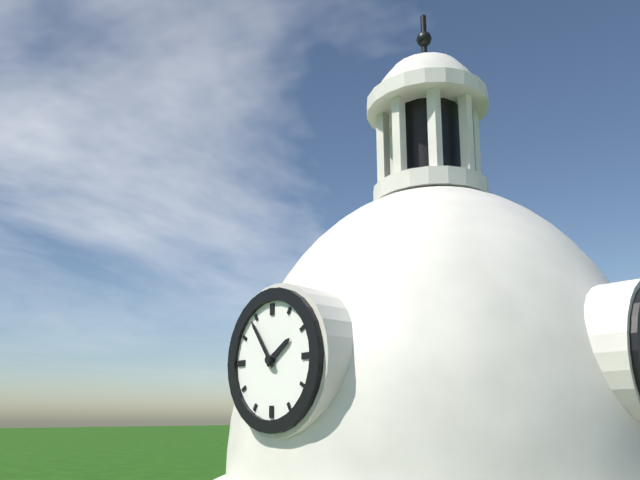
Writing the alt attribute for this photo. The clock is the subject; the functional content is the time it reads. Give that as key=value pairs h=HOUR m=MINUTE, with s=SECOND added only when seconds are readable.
h=1 m=54
